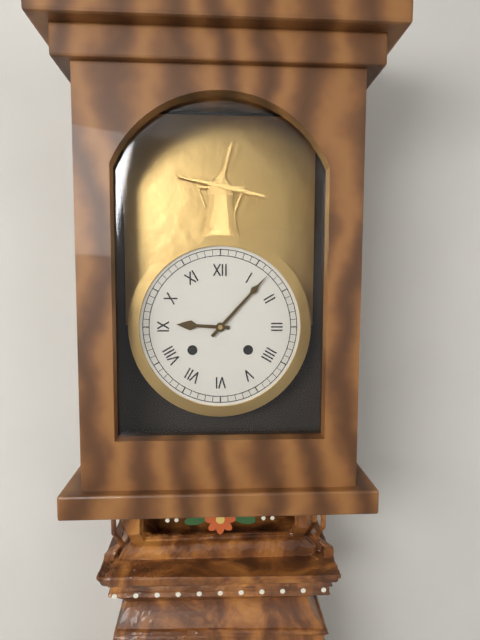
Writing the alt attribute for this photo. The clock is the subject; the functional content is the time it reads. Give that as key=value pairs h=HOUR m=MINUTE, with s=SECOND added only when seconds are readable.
h=9 m=7
